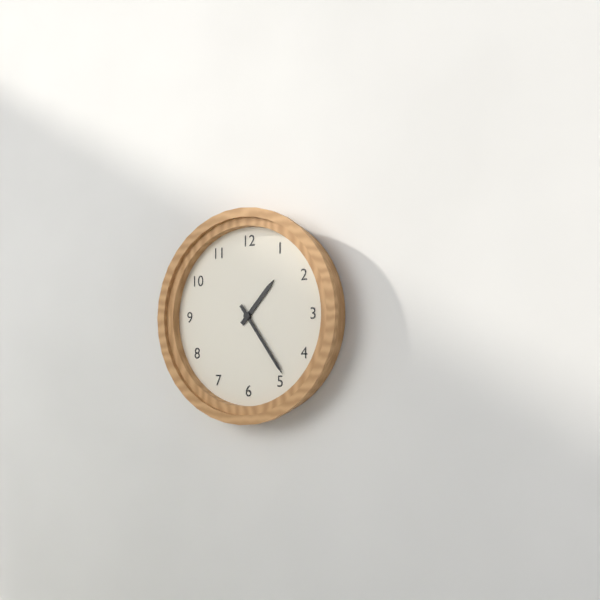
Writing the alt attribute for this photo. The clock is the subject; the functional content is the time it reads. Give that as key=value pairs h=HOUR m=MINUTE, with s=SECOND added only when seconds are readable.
h=1 m=24
